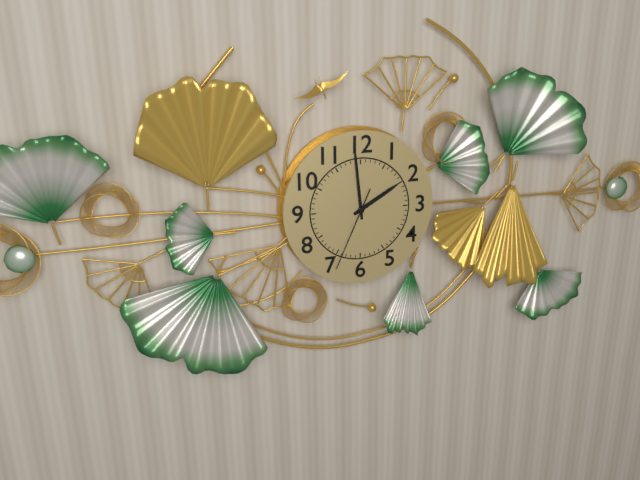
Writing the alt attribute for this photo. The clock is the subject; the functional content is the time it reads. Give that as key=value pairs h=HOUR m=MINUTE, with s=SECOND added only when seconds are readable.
h=1 m=59 s=34
